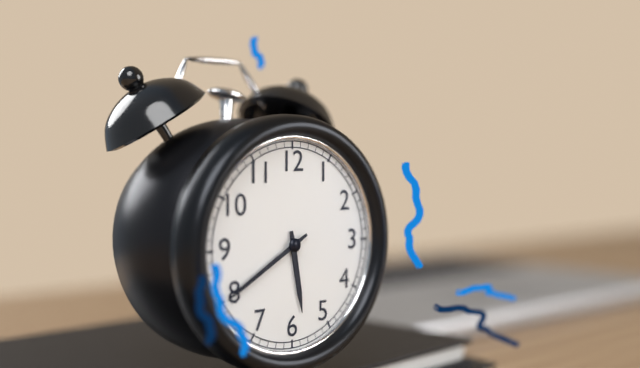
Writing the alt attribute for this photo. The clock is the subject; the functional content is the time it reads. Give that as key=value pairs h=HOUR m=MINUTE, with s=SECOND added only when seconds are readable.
h=5 m=40
